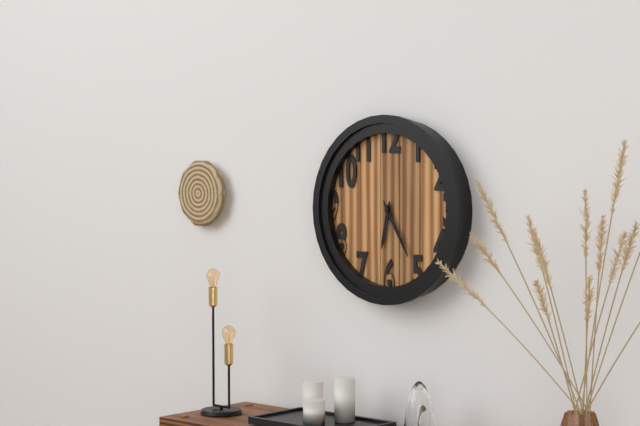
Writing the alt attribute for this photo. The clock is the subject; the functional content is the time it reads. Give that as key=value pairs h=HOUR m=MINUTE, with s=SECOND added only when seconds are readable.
h=6 m=25
